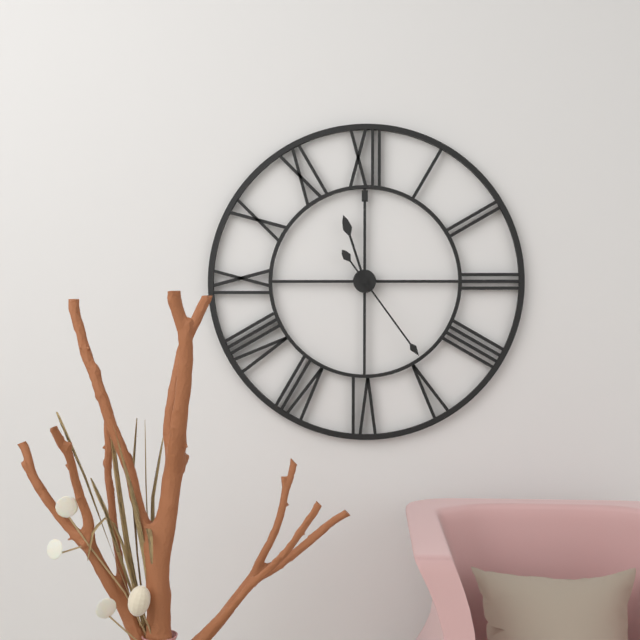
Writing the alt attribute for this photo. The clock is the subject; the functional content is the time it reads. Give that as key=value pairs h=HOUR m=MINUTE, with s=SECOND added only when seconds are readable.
h=11 m=24
